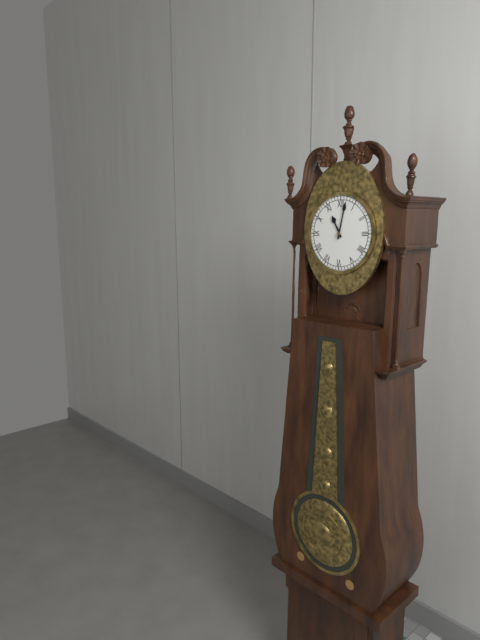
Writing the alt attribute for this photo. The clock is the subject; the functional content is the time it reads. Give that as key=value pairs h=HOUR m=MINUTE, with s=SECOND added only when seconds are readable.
h=11 m=2
